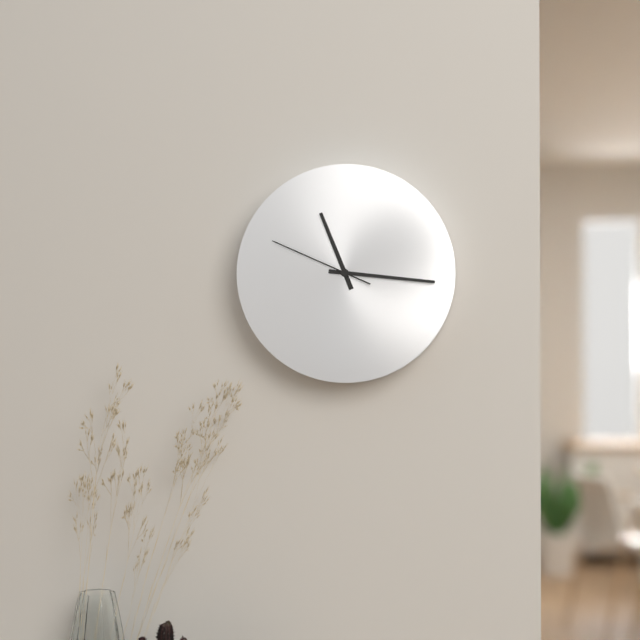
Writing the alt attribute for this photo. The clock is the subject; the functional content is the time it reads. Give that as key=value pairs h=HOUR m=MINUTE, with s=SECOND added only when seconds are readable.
h=11 m=16 s=49
